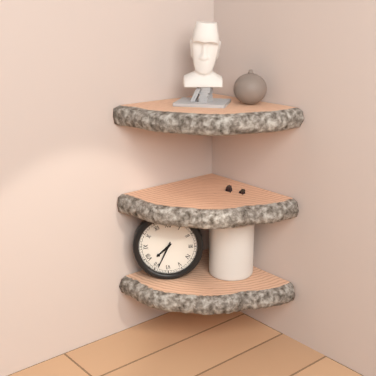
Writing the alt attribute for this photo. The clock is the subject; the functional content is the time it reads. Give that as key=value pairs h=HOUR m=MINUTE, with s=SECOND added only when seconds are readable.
h=7 m=34
